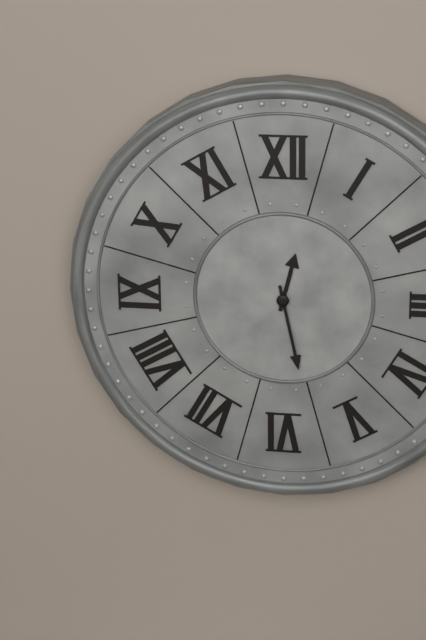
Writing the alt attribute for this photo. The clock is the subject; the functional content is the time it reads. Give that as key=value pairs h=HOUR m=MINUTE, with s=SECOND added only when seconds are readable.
h=12 m=28
